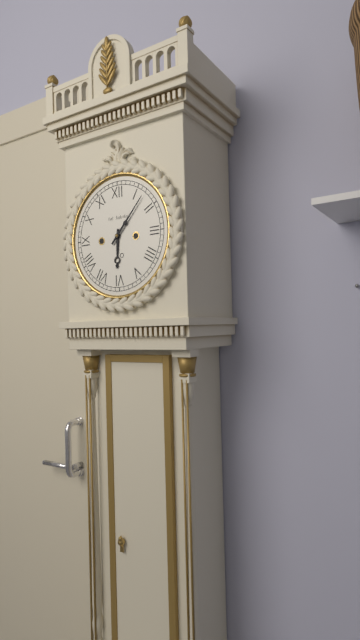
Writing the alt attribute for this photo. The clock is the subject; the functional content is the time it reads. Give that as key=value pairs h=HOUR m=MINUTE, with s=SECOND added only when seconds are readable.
h=6 m=7
